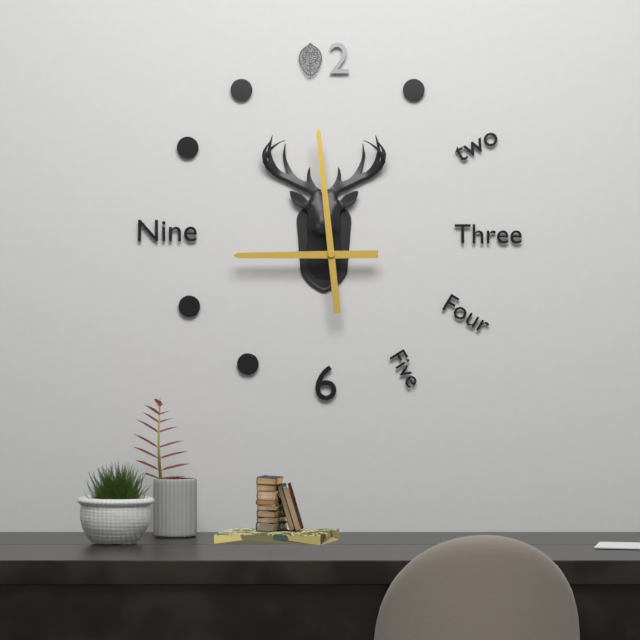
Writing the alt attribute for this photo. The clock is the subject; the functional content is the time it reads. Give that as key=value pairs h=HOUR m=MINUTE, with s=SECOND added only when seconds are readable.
h=8 m=59
